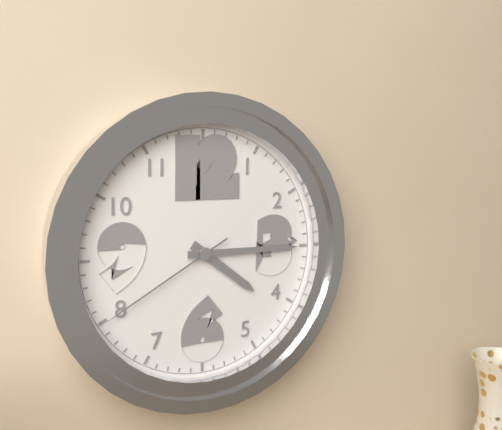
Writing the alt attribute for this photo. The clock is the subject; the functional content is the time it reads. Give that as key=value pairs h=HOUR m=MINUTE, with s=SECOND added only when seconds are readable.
h=4 m=15 s=40
